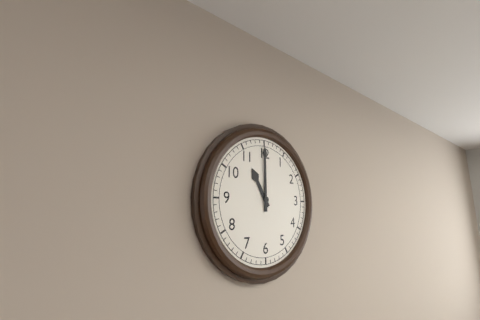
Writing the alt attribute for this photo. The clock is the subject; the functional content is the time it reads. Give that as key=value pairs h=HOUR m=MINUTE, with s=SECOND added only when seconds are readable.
h=11 m=0
